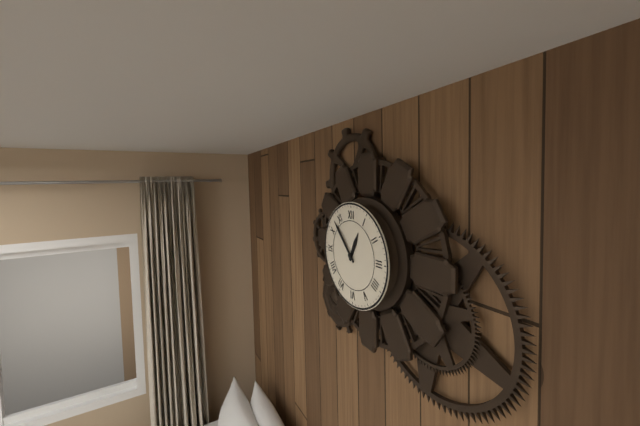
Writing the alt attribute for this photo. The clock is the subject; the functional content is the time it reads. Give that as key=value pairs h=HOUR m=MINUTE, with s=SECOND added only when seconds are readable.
h=12 m=53
